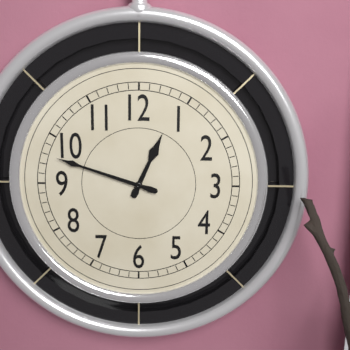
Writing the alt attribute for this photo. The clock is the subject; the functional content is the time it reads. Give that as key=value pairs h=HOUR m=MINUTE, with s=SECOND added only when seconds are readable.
h=12 m=48
